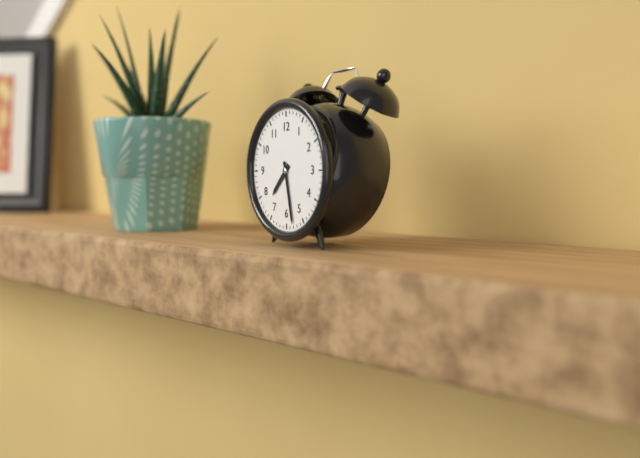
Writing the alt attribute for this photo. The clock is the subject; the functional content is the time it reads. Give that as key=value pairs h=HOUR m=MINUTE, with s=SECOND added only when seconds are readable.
h=7 m=28
